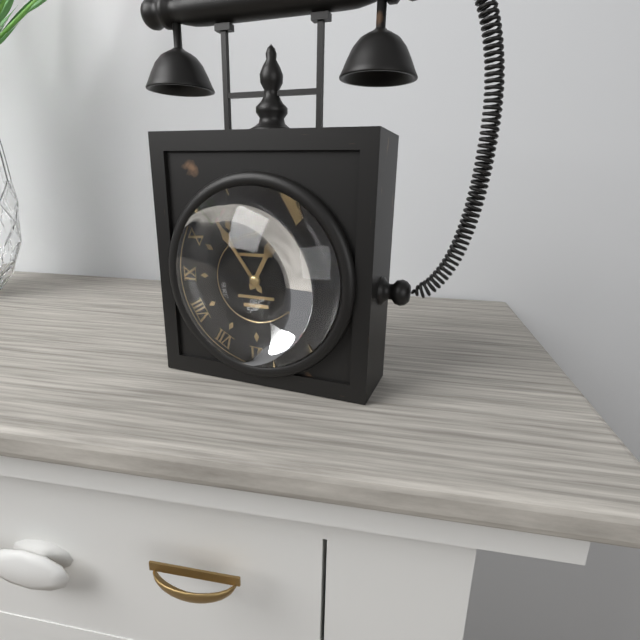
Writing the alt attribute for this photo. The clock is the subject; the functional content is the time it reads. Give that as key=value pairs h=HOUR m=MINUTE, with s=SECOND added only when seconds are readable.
h=12 m=54
